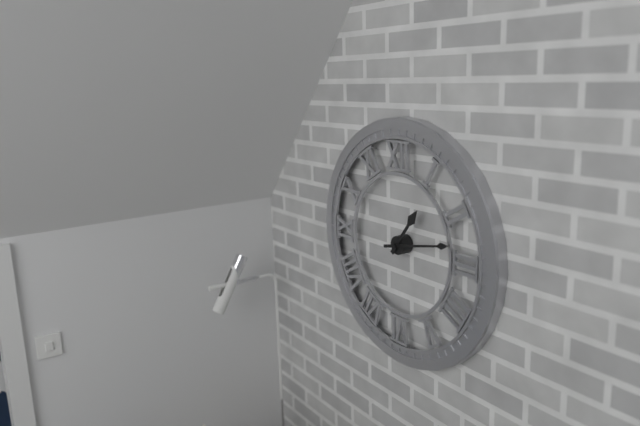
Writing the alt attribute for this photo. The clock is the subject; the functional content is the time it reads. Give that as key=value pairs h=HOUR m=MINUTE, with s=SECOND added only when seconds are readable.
h=1 m=13
